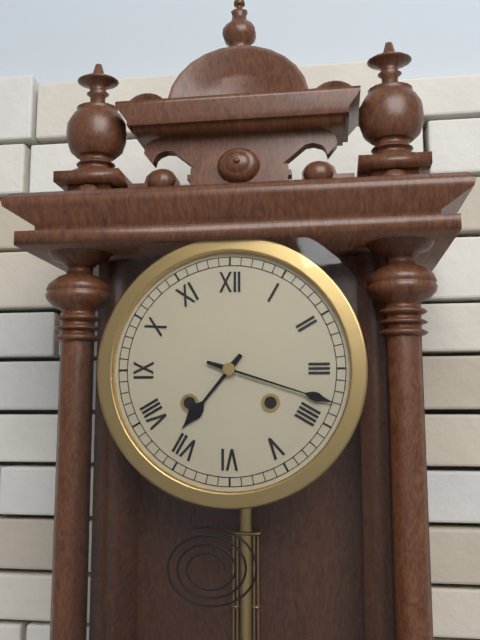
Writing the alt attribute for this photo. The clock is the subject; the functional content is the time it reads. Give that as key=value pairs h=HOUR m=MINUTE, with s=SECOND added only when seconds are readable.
h=7 m=18
